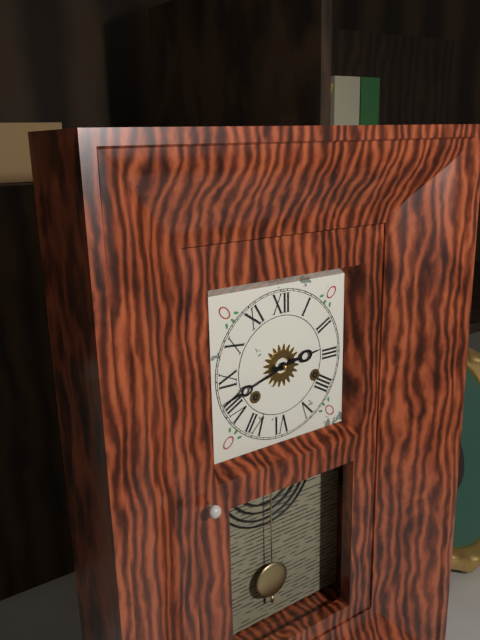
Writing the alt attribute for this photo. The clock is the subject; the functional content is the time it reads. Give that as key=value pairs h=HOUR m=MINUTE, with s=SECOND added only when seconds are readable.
h=2 m=42
